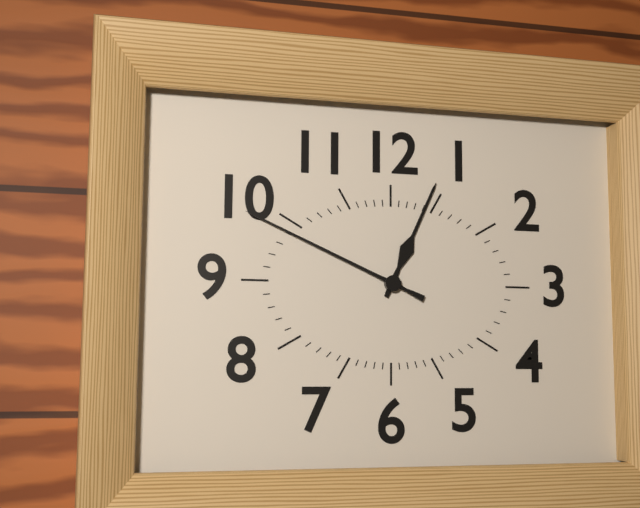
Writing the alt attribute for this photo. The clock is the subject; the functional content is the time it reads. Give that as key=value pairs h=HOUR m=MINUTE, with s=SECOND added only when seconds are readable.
h=12 m=49
